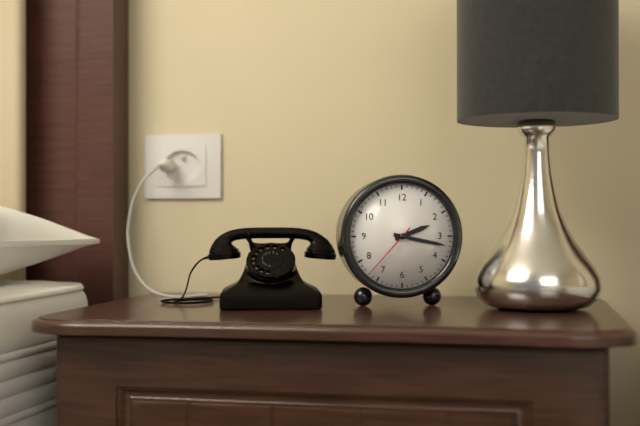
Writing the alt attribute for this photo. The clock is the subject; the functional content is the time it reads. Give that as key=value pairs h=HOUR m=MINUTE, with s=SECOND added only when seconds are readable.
h=2 m=17 s=37
